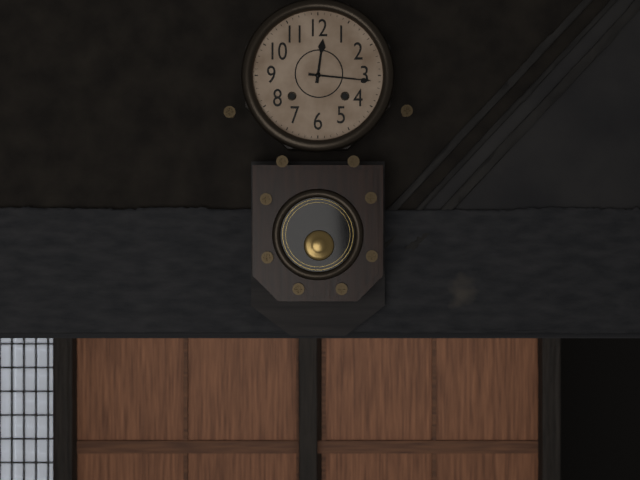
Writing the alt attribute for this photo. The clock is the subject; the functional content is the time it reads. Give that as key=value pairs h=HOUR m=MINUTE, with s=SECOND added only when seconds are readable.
h=12 m=16
